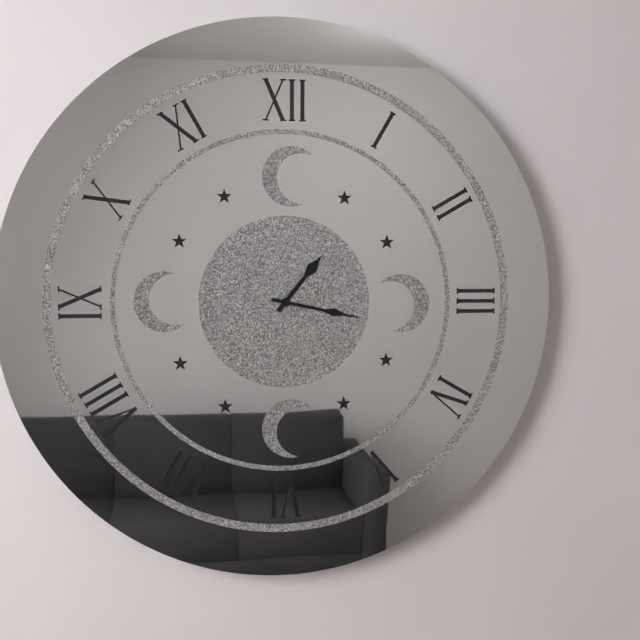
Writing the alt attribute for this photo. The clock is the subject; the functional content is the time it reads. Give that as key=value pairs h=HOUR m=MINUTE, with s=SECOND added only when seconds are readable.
h=1 m=17
